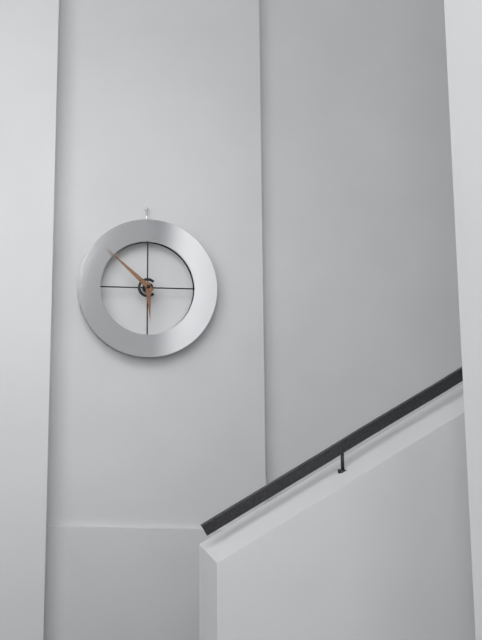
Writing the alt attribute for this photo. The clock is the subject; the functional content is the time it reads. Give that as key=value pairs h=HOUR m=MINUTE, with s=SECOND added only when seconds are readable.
h=5 m=52
